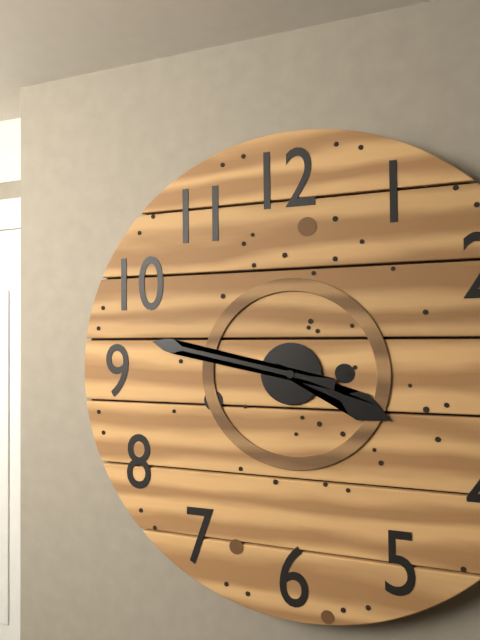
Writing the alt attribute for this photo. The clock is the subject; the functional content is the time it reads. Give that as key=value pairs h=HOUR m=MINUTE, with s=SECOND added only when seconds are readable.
h=3 m=47
